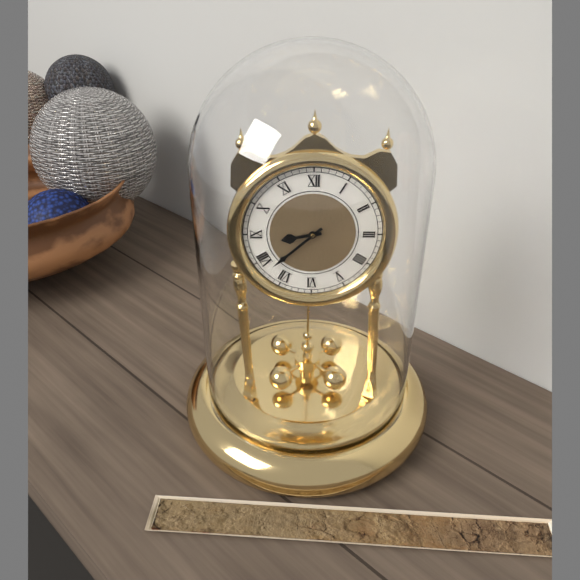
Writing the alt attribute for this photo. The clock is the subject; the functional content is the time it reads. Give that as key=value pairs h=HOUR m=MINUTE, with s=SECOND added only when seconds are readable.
h=8 m=38
